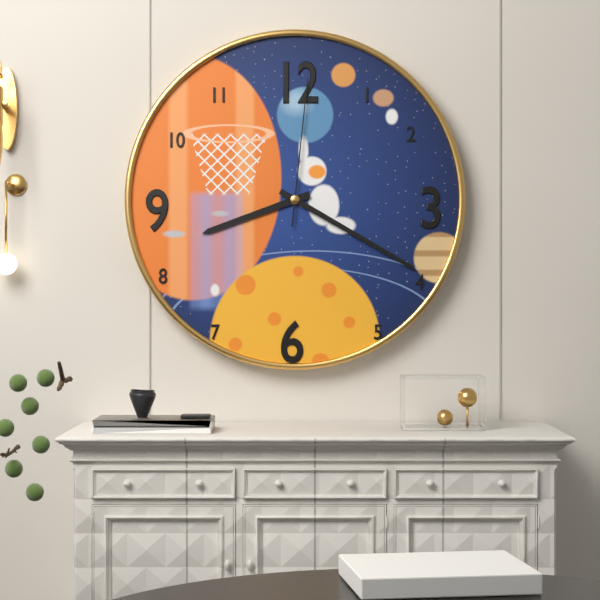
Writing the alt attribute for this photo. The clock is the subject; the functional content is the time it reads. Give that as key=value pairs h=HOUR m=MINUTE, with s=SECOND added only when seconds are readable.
h=8 m=20 s=1
